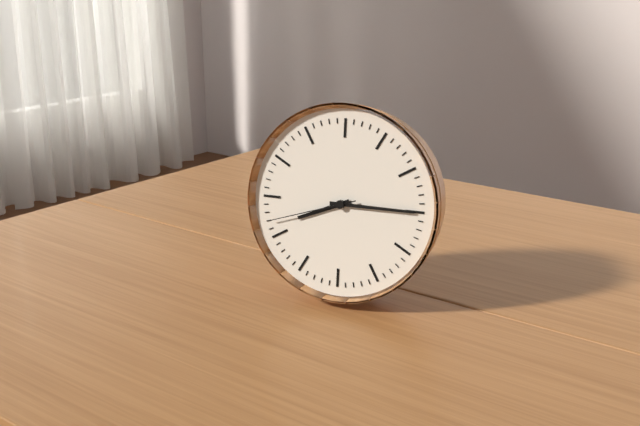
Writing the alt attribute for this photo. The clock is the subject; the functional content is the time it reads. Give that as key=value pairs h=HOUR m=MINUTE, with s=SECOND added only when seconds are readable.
h=8 m=15 s=42
